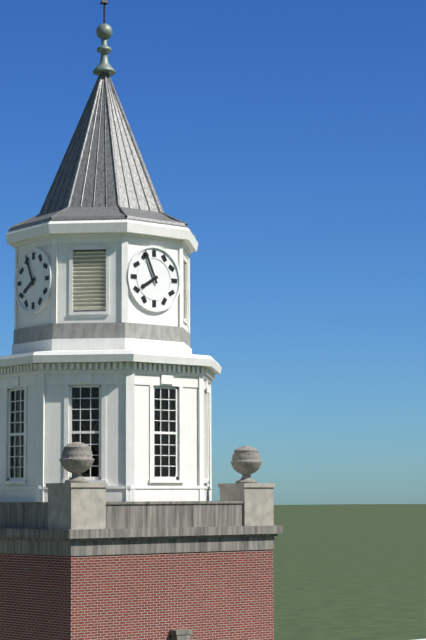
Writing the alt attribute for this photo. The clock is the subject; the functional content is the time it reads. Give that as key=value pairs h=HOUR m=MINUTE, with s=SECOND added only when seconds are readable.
h=7 m=56
